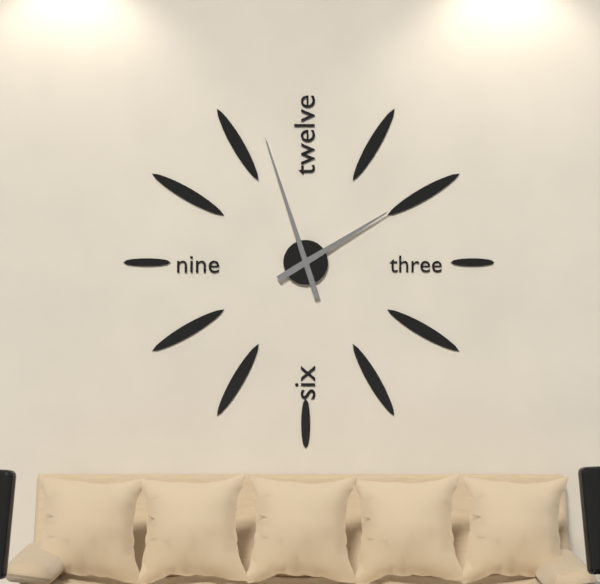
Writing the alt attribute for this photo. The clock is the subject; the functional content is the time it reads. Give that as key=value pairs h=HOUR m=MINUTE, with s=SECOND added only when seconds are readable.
h=1 m=57
